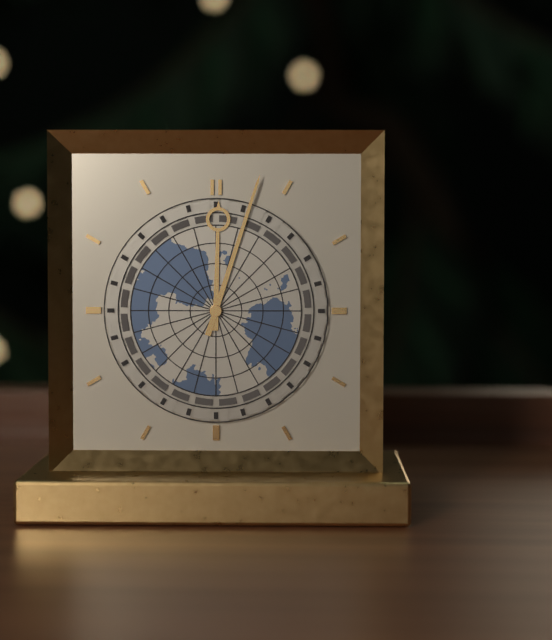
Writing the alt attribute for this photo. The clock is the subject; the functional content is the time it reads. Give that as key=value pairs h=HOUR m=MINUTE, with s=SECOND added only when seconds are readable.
h=12 m=3
